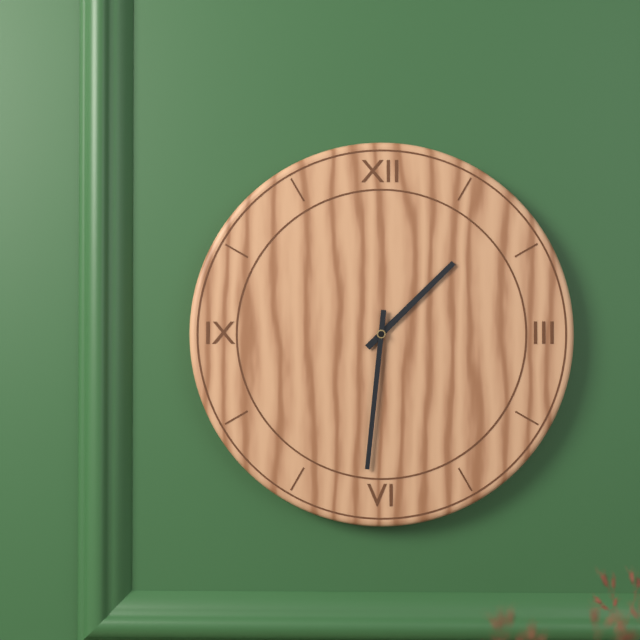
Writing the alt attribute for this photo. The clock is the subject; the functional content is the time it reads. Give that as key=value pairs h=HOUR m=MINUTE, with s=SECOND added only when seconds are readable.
h=1 m=31
